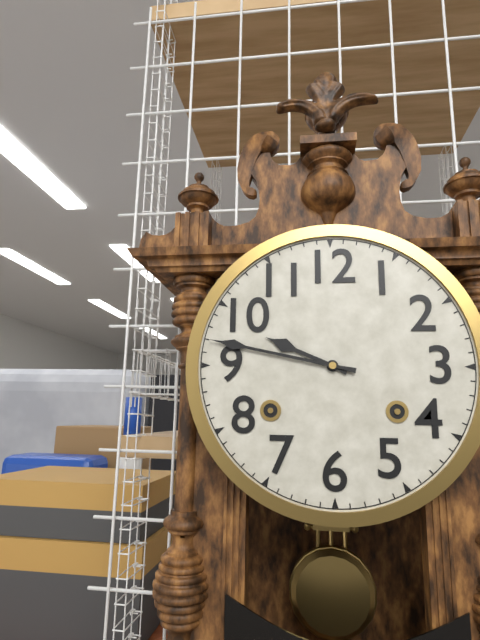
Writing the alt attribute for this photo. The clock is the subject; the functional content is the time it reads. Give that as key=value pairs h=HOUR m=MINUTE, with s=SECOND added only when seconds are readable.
h=9 m=47
